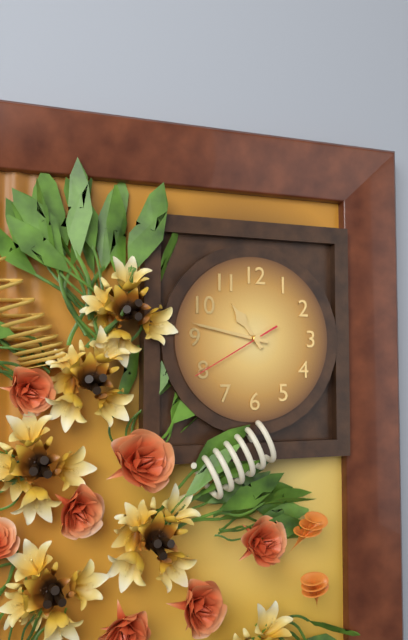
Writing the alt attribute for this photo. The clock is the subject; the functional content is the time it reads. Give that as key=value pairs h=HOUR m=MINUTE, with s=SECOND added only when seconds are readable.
h=10 m=47 s=40
